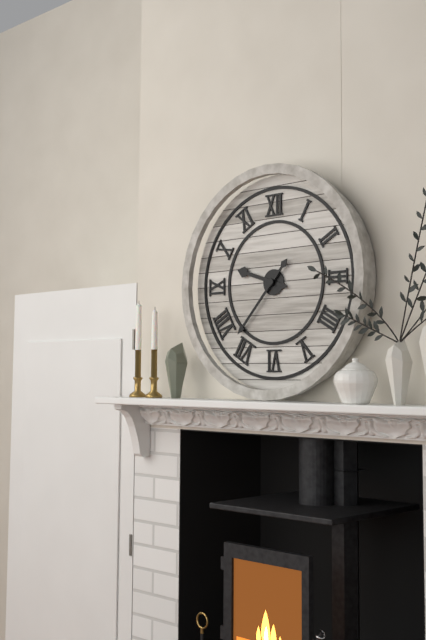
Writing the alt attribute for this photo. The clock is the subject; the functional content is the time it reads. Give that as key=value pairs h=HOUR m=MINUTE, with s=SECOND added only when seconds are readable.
h=9 m=37
